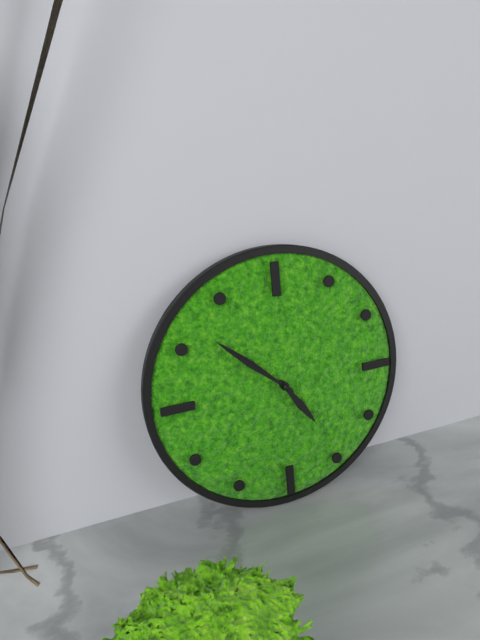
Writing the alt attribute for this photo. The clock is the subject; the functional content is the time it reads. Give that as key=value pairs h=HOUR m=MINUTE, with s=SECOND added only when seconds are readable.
h=4 m=52
